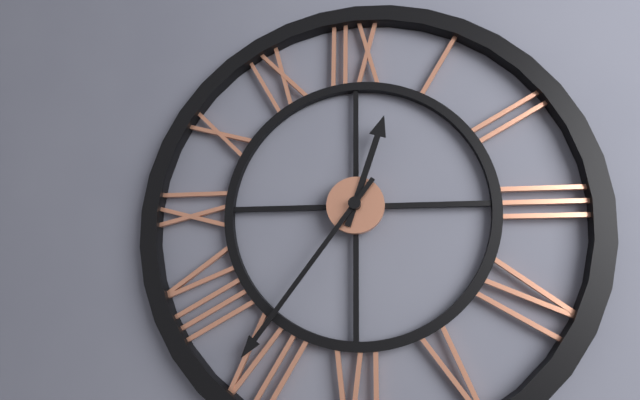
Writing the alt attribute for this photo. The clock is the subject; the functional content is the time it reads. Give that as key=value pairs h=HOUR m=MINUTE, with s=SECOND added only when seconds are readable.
h=12 m=36
